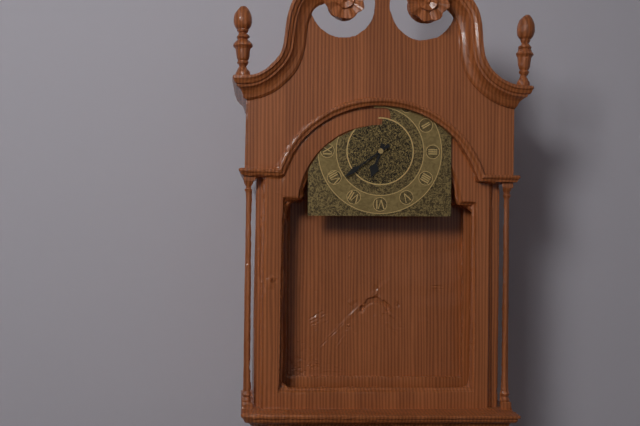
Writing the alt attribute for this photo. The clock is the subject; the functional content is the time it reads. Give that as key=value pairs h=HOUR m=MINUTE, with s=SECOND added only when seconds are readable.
h=6 m=39
